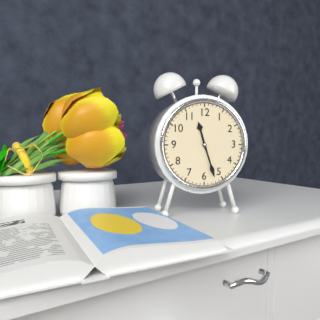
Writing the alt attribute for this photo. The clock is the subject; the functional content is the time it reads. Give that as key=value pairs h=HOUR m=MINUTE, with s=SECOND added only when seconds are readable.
h=11 m=27
